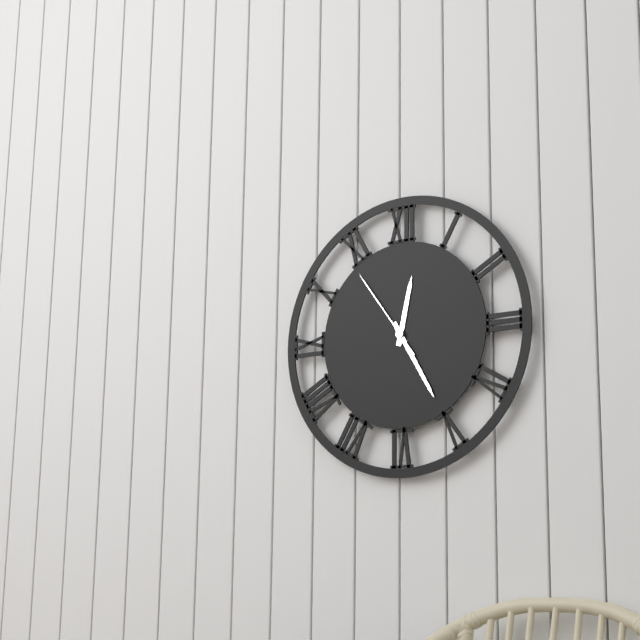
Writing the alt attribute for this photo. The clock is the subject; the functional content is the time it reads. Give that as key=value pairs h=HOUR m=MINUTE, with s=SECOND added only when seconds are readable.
h=12 m=25 s=54
